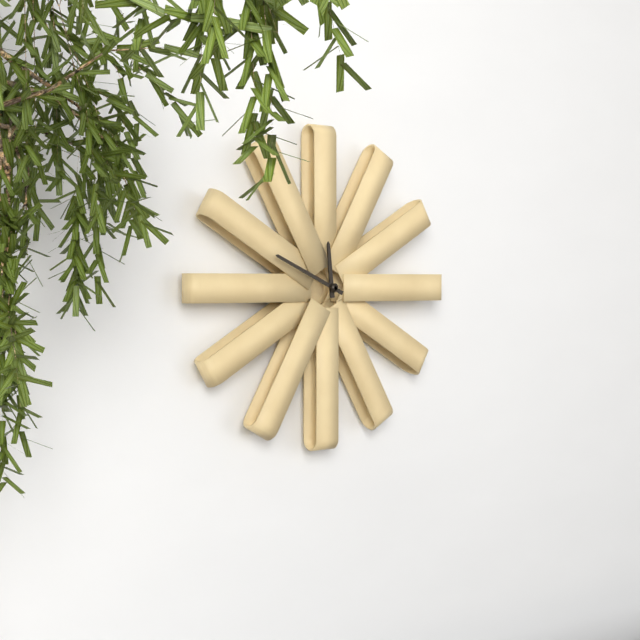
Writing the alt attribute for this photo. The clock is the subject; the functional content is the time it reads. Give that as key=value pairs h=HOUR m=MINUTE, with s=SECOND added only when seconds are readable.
h=11 m=49
